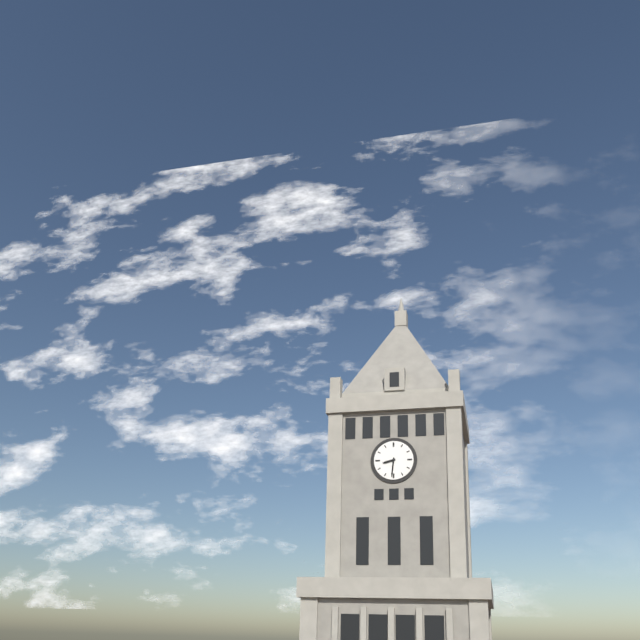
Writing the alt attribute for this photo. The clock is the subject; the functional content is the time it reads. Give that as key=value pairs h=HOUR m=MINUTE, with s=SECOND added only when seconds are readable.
h=8 m=31
